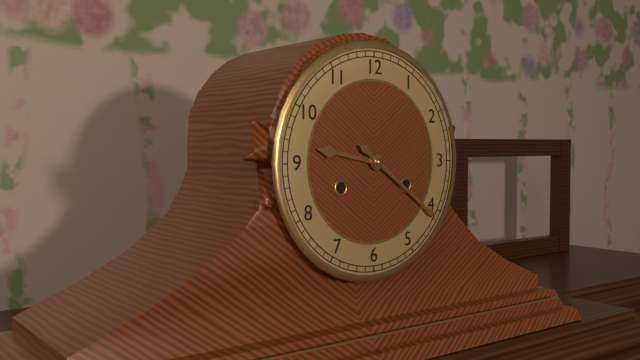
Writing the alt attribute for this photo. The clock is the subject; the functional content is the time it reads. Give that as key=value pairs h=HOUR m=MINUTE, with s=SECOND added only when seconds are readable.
h=9 m=21
